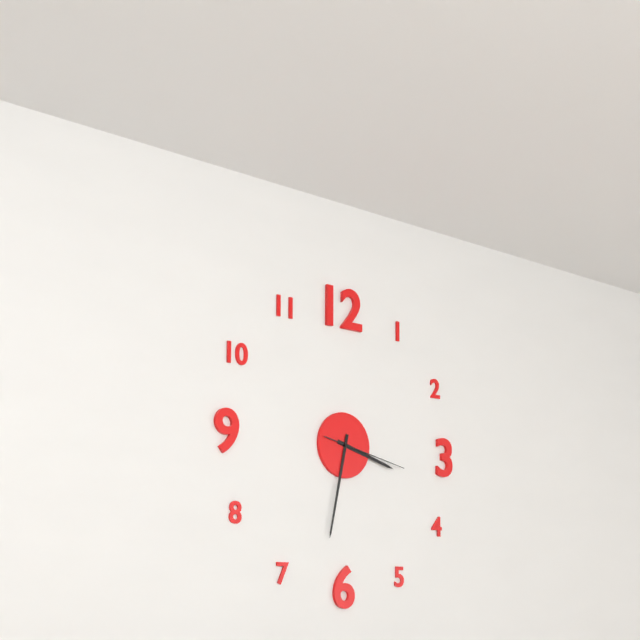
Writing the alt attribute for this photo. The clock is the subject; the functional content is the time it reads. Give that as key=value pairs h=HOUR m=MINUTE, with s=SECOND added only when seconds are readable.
h=3 m=32 s=17
